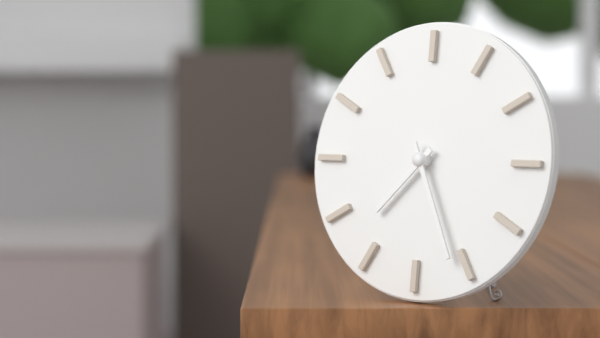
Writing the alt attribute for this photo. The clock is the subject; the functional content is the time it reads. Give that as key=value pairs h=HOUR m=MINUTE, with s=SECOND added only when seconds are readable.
h=7 m=26
